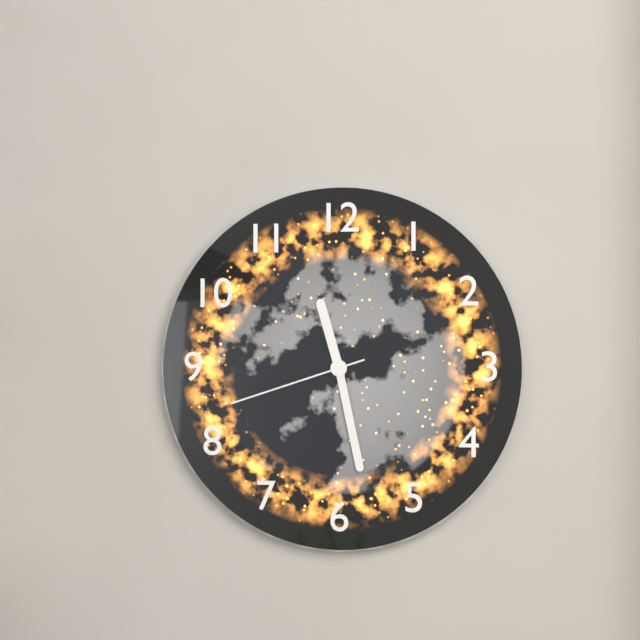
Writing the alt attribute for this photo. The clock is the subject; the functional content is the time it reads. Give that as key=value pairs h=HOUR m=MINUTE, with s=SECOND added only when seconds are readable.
h=11 m=28 s=42
